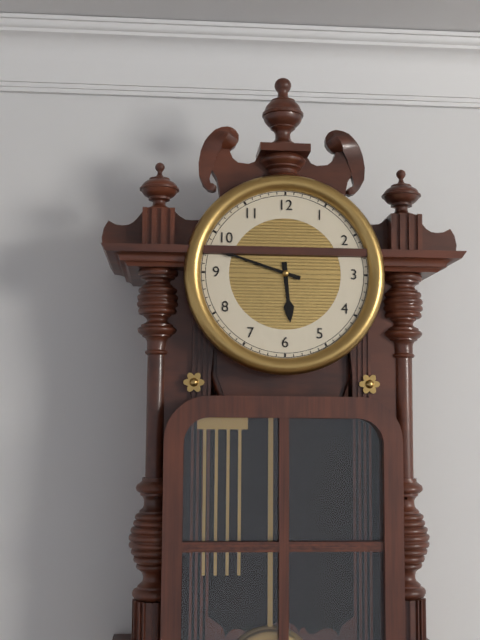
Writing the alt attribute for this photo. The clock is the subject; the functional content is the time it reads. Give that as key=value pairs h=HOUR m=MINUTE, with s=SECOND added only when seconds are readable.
h=5 m=48
